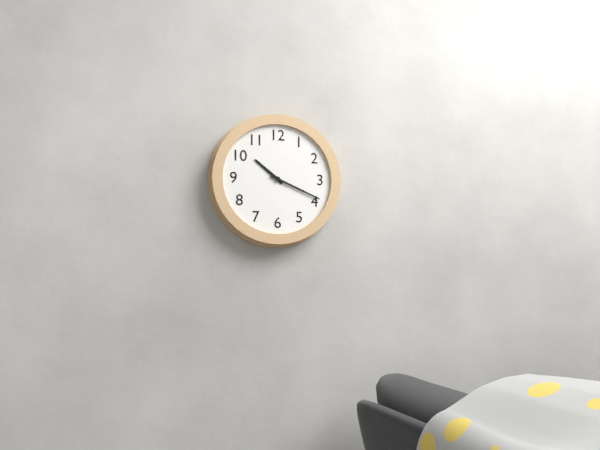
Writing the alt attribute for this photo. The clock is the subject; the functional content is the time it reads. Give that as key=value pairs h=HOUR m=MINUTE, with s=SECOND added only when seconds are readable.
h=10 m=19
